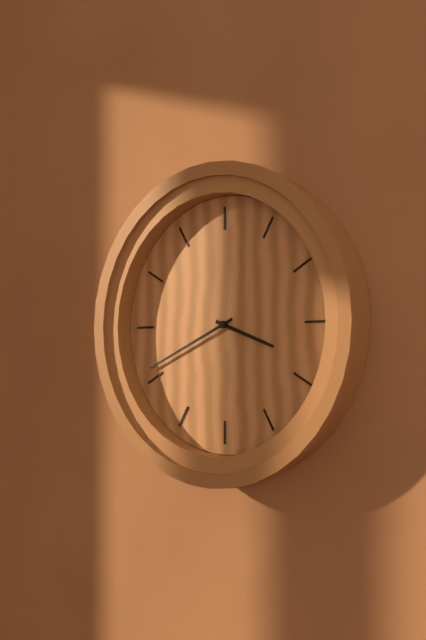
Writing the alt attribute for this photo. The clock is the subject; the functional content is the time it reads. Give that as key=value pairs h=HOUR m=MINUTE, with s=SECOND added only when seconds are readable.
h=3 m=41
